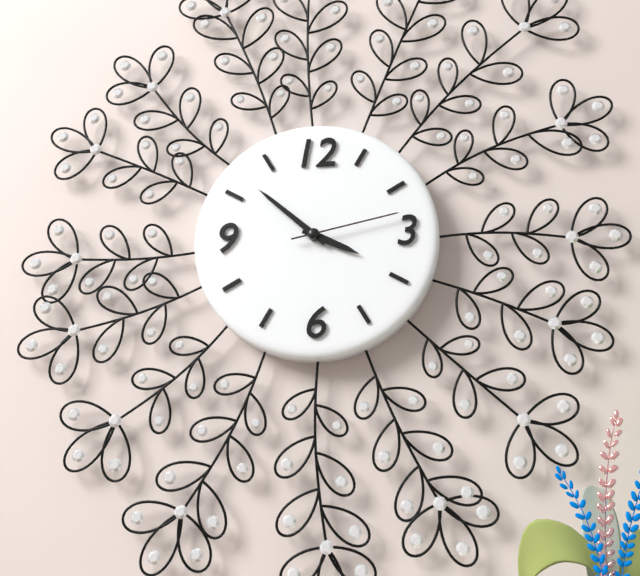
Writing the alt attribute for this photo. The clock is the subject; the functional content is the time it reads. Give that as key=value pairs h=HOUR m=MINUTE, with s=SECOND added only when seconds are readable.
h=3 m=52 s=13
